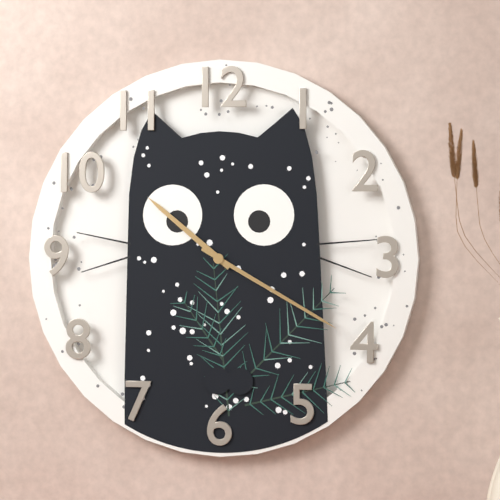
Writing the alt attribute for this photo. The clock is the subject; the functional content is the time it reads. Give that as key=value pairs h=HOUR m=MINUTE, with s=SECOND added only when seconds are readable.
h=10 m=20
